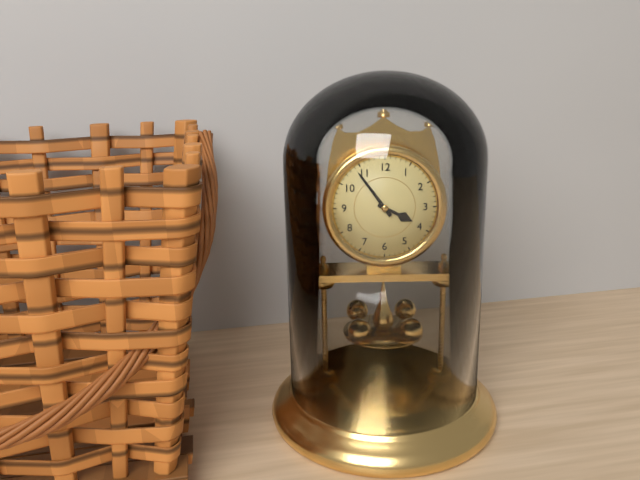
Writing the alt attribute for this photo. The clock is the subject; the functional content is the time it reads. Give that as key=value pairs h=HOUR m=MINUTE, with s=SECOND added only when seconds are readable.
h=3 m=54
